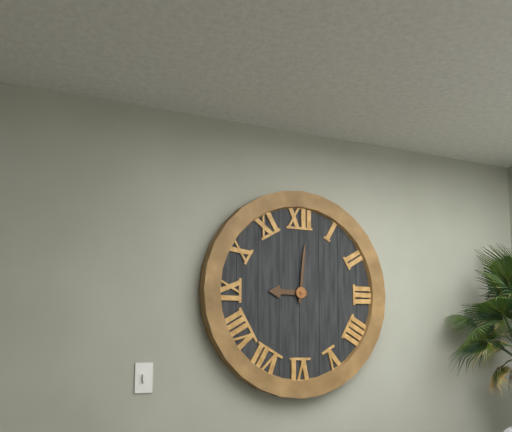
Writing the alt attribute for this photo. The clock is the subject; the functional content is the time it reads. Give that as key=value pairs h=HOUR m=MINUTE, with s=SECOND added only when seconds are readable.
h=9 m=1
